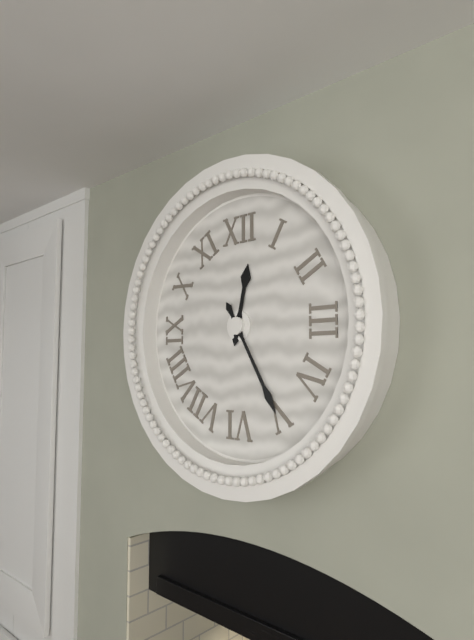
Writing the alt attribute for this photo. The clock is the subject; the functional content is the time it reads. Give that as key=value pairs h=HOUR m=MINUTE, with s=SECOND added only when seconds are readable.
h=12 m=25
